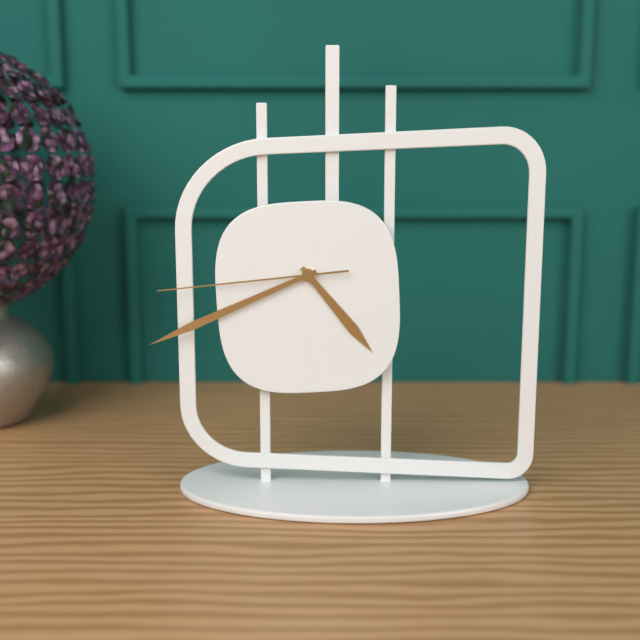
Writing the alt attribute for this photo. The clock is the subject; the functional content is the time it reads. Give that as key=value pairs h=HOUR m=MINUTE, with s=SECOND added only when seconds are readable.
h=4 m=41 s=44
